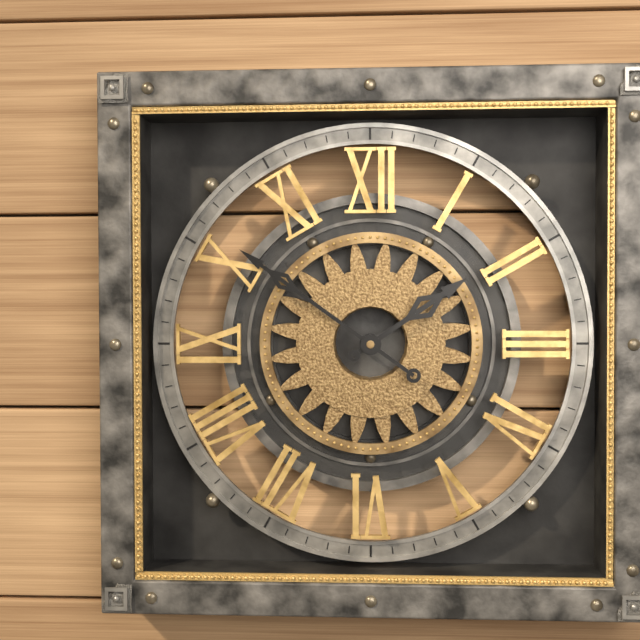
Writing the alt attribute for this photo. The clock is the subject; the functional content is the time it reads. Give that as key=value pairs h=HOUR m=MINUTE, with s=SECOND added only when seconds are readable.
h=1 m=51
